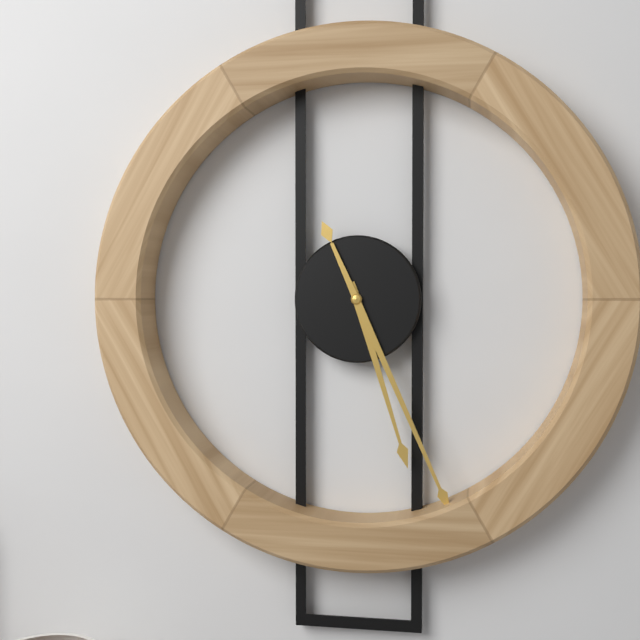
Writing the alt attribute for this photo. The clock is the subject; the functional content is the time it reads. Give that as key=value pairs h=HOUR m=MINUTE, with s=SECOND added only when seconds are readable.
h=5 m=26
